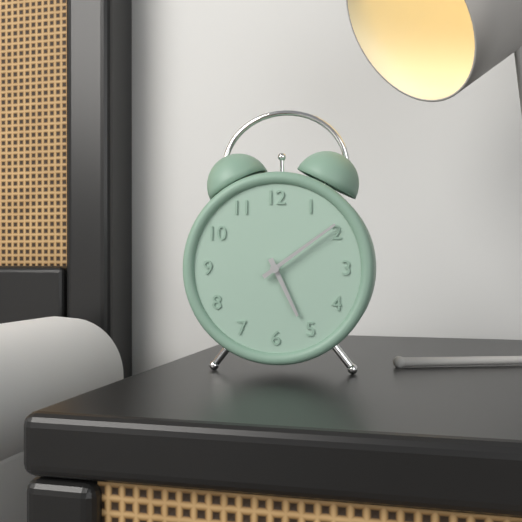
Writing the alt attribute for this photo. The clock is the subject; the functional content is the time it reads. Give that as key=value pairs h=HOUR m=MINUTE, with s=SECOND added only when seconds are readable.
h=5 m=9
